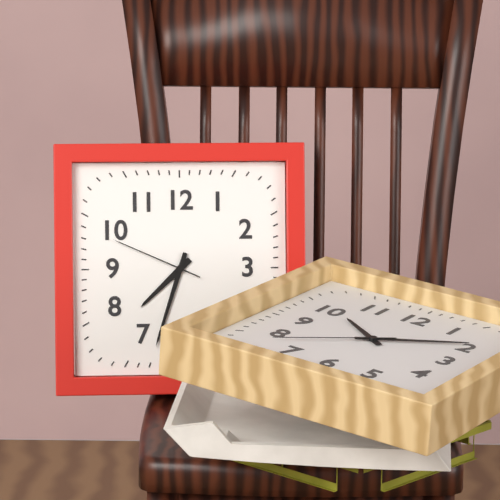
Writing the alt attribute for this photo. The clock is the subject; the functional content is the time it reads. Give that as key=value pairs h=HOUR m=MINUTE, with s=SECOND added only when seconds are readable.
h=7 m=33 s=49
